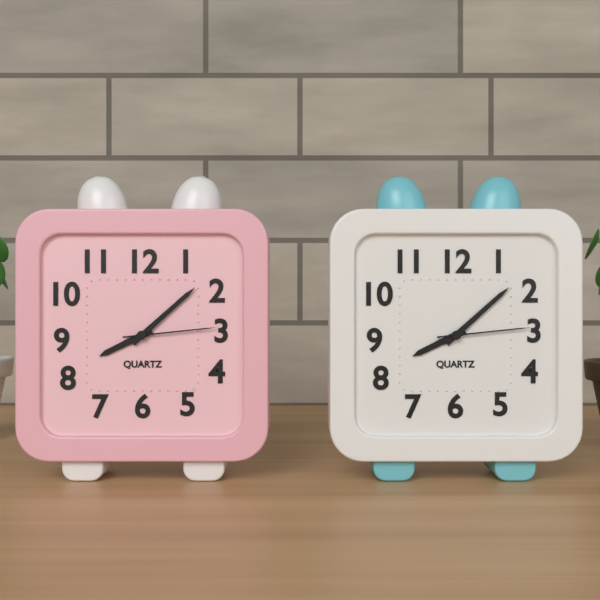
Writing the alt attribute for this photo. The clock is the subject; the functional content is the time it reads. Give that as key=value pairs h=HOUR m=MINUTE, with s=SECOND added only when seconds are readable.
h=8 m=8 s=14
